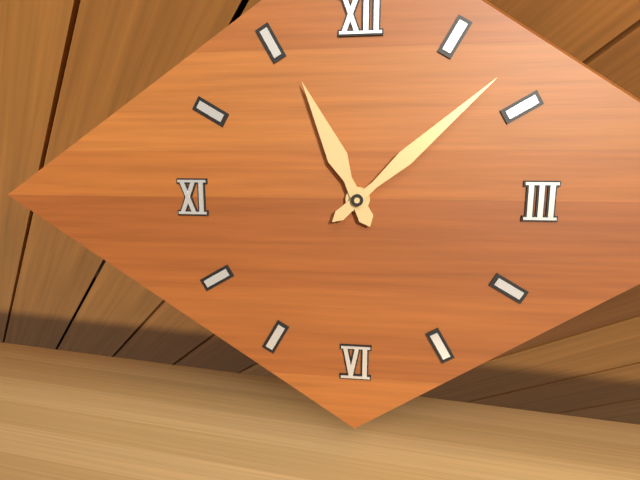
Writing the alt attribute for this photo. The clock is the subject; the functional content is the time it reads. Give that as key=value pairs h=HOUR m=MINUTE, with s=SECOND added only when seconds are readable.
h=11 m=8
